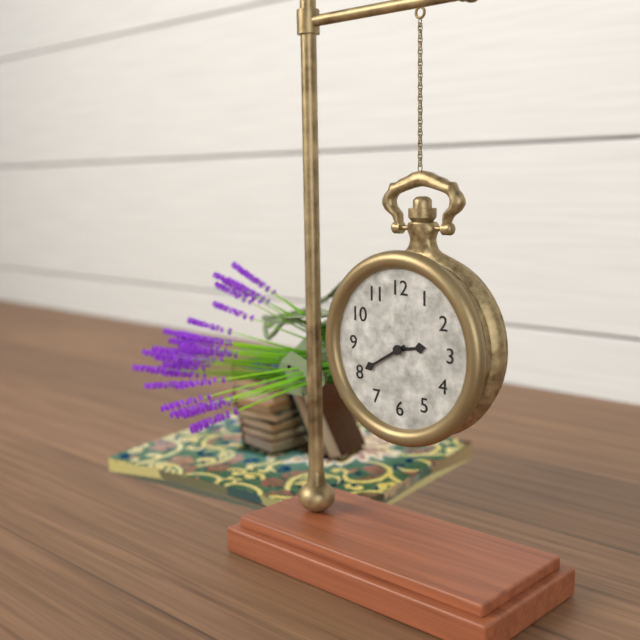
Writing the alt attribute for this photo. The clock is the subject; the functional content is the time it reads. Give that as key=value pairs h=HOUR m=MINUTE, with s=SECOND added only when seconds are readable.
h=2 m=40
